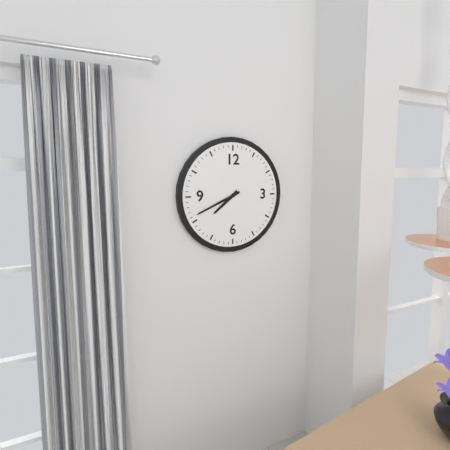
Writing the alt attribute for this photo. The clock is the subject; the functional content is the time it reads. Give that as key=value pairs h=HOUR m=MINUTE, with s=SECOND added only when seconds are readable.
h=7 m=41
